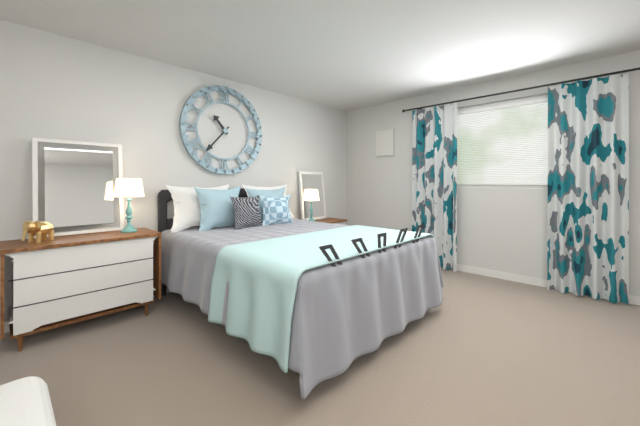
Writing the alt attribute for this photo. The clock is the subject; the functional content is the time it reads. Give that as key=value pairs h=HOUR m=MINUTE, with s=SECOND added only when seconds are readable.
h=10 m=37
